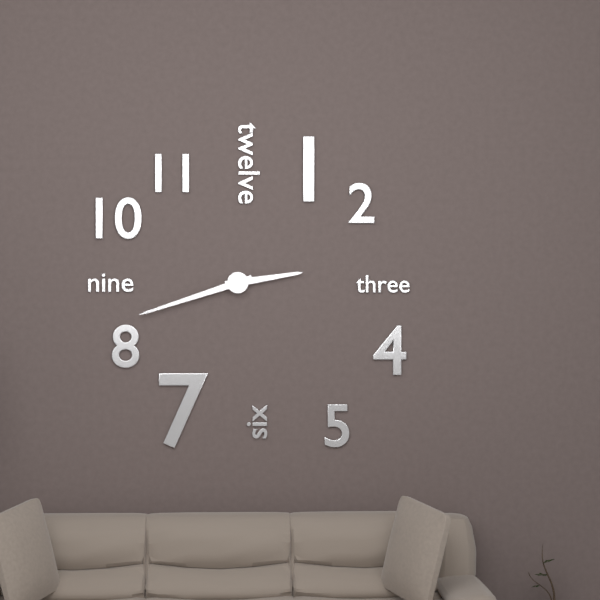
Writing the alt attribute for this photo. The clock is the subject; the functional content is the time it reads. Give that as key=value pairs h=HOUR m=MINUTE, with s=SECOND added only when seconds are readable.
h=2 m=42
